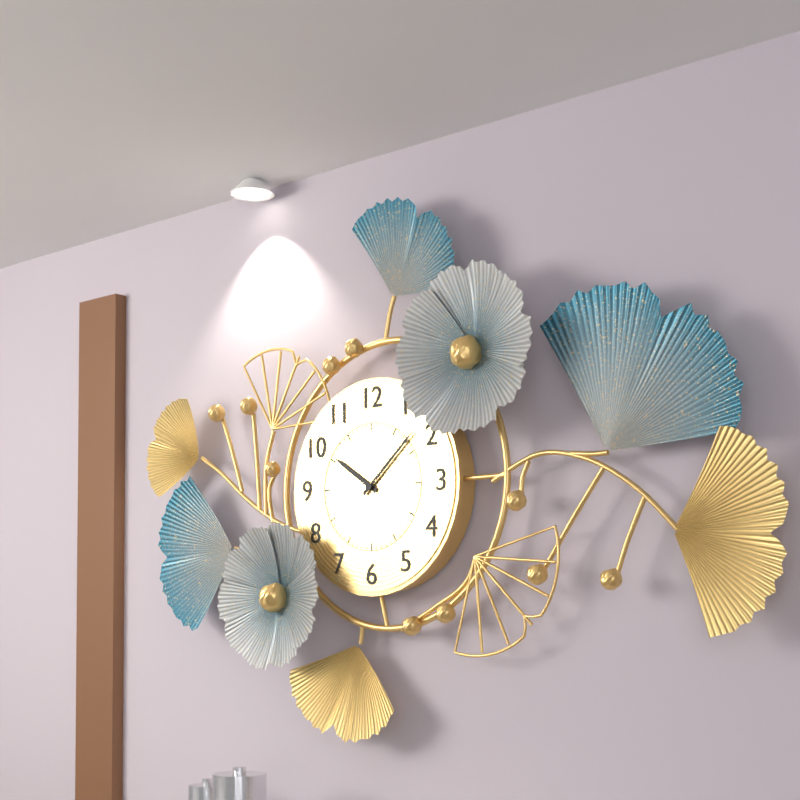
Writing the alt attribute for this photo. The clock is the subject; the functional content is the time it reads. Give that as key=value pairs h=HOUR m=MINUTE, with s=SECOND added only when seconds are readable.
h=10 m=8
